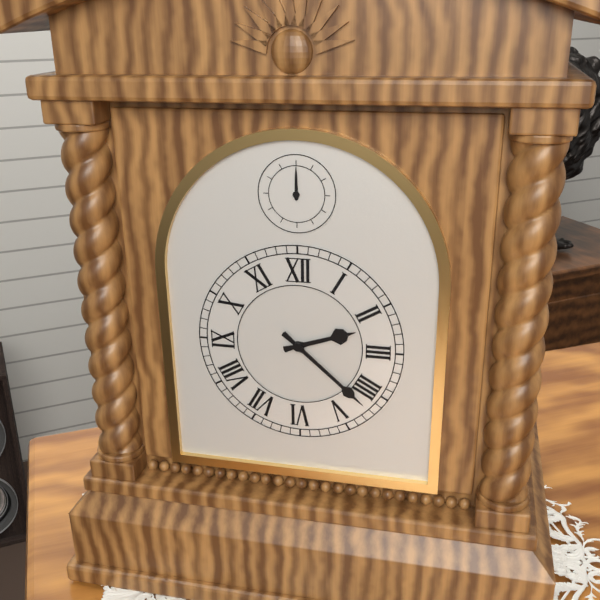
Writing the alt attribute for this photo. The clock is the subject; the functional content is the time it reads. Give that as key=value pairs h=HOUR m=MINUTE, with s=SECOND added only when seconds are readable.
h=2 m=22
